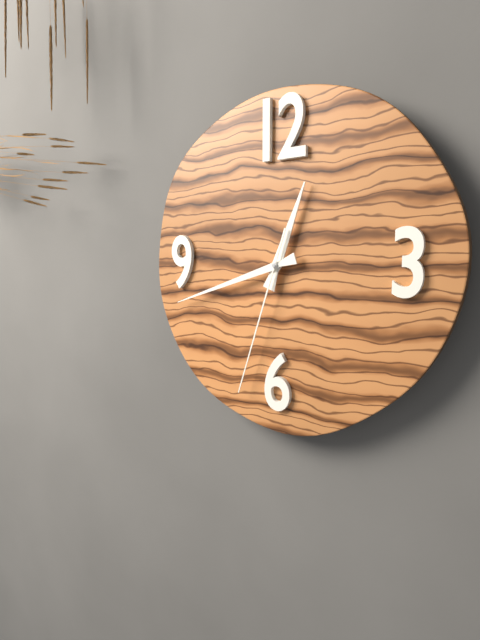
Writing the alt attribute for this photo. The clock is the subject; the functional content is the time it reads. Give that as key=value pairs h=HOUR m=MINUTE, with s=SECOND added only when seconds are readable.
h=12 m=42 s=33
